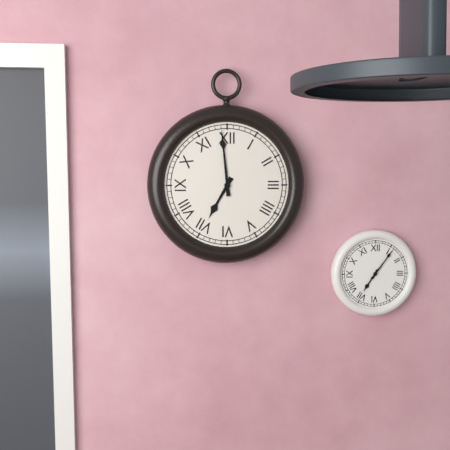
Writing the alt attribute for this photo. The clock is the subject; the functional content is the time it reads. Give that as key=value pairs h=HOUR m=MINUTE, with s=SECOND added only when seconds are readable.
h=6 m=59
